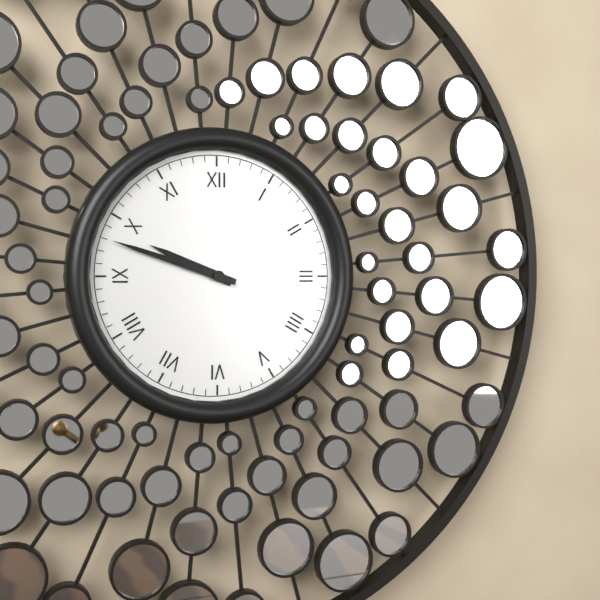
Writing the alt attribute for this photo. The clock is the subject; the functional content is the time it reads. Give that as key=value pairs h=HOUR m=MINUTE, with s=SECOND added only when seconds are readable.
h=9 m=48
